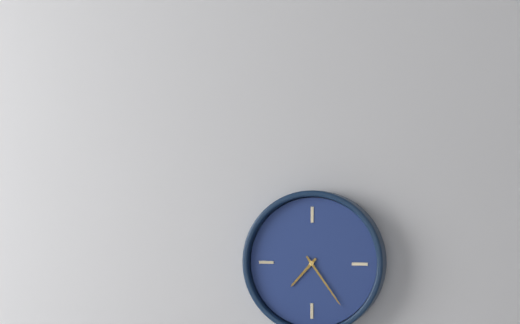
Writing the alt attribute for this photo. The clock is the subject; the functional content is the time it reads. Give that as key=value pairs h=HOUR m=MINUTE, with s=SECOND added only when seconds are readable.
h=7 m=24
